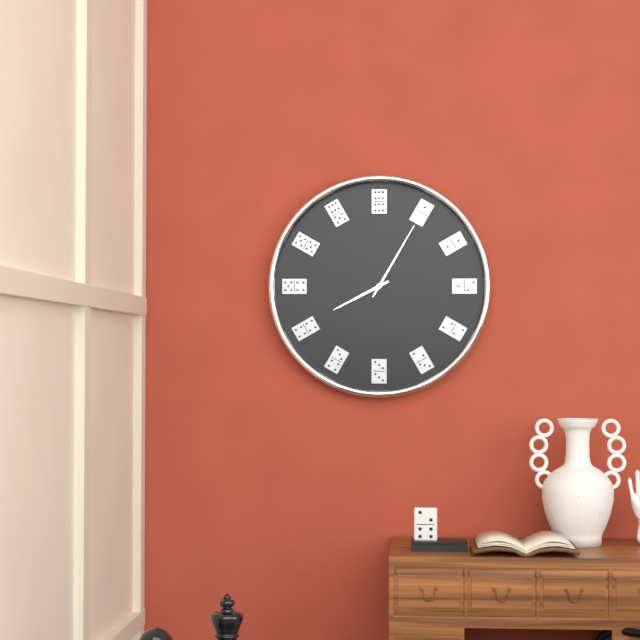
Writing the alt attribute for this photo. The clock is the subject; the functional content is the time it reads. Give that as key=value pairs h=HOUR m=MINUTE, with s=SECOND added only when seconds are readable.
h=8 m=5
